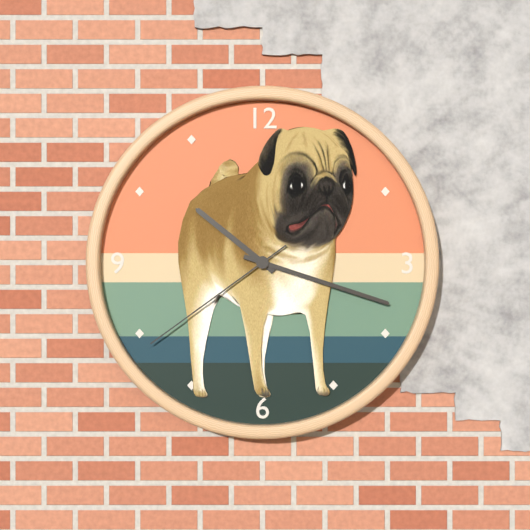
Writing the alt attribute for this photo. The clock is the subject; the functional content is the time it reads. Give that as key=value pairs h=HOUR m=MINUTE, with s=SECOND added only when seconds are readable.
h=10 m=18 s=39
